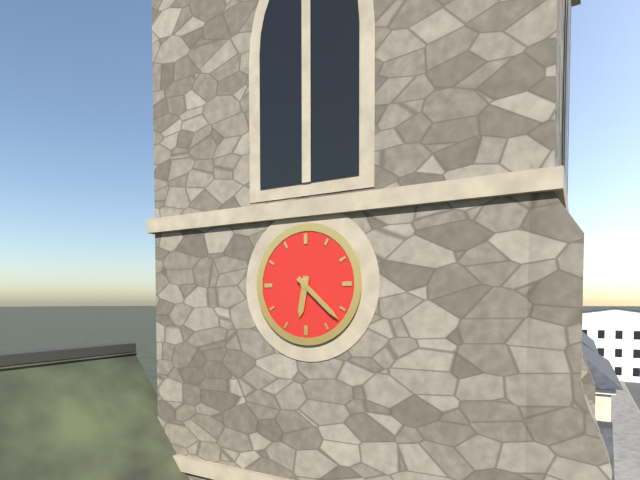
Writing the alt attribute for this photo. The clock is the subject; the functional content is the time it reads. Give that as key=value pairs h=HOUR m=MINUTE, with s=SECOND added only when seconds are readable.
h=6 m=22
